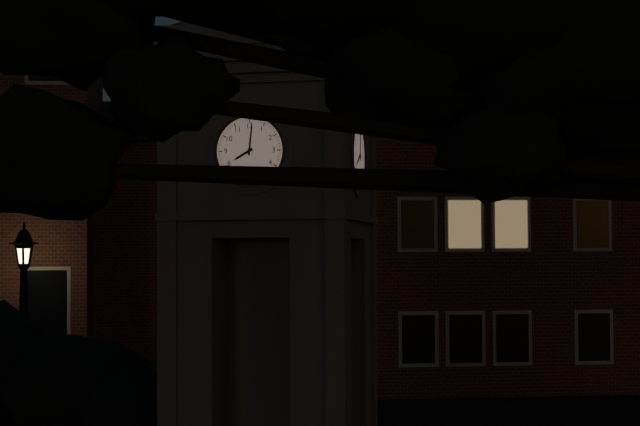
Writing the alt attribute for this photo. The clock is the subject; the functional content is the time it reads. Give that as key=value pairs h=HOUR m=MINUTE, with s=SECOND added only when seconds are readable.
h=8 m=1
